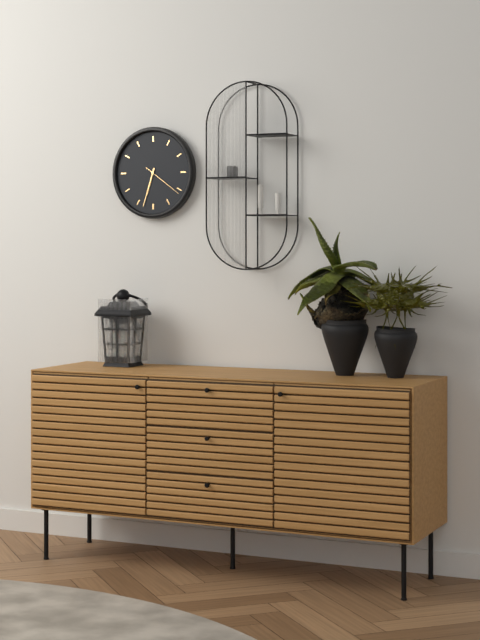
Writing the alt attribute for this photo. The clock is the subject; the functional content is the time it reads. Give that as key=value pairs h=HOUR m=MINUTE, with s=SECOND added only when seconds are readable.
h=6 m=33
